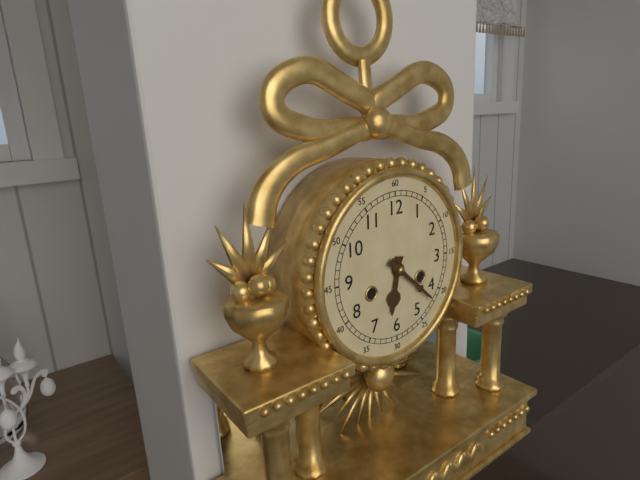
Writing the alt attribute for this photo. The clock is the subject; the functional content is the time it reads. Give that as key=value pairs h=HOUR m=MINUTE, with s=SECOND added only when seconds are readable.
h=6 m=22
